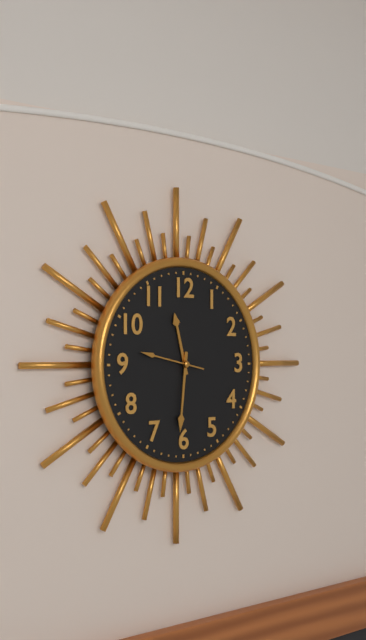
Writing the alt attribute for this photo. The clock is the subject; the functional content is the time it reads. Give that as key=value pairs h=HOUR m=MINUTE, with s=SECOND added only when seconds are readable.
h=11 m=31 s=47
